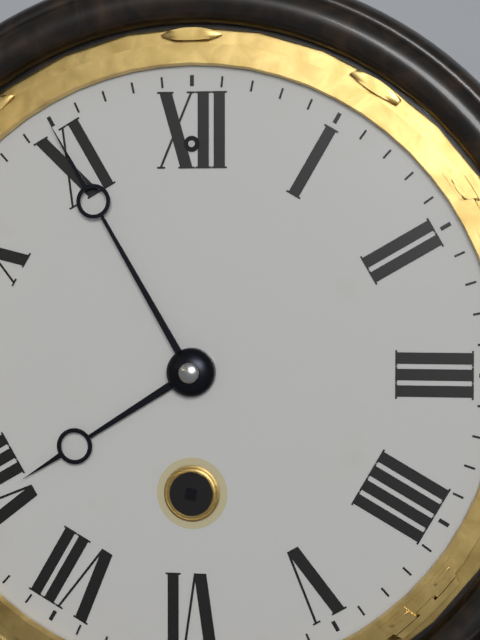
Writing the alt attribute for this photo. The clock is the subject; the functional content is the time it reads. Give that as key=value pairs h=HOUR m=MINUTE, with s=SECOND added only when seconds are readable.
h=7 m=55
